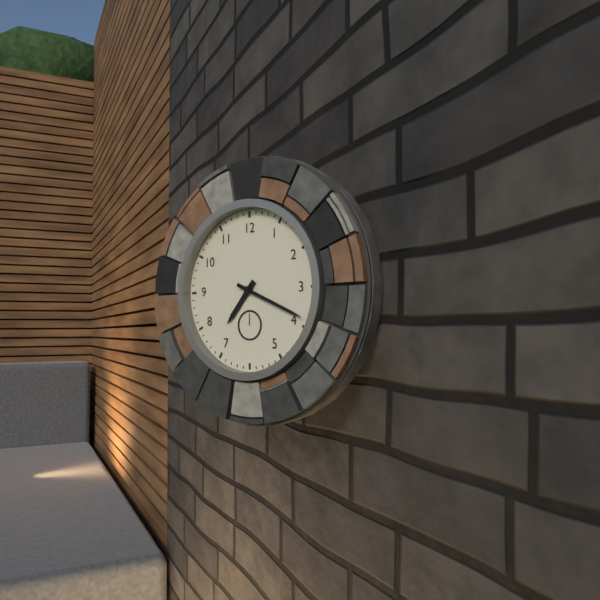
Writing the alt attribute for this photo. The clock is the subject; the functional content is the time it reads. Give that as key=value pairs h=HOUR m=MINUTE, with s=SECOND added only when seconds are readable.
h=7 m=19
